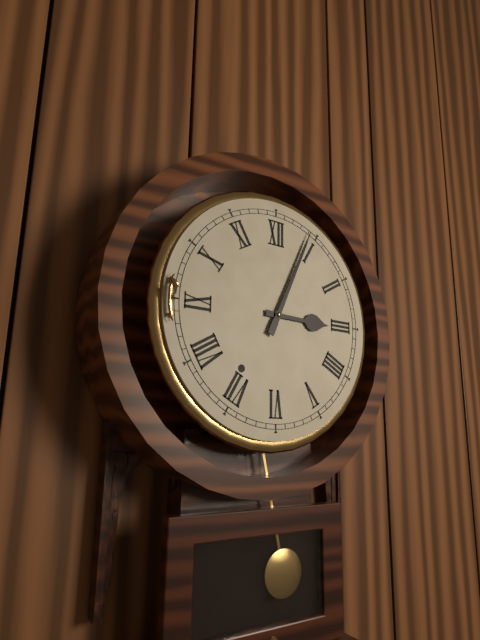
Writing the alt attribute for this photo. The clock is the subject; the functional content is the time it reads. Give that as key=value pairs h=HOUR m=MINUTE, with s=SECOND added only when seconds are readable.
h=3 m=4
